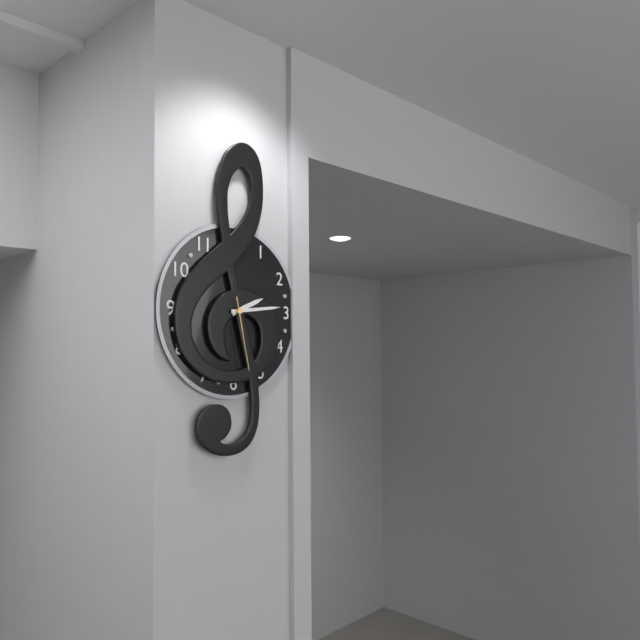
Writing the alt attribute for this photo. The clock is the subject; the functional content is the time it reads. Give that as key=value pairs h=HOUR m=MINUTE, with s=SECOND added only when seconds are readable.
h=2 m=14 s=28
